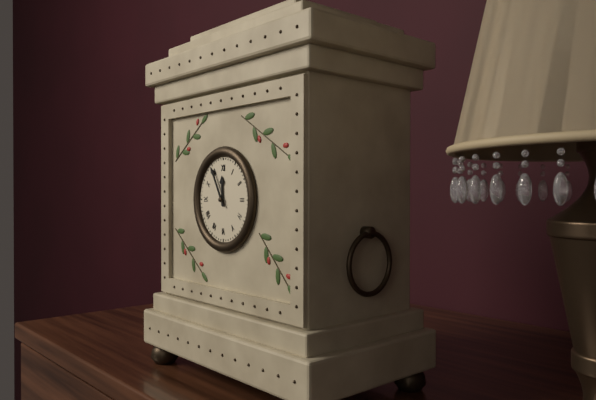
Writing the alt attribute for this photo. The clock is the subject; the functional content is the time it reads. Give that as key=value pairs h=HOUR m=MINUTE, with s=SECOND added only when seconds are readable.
h=11 m=55
